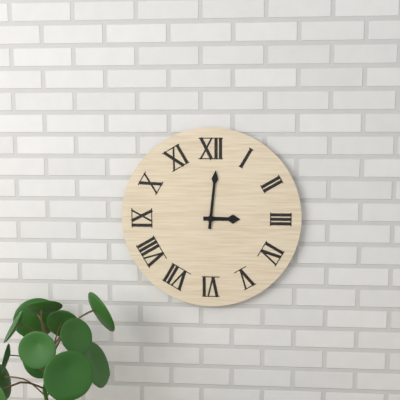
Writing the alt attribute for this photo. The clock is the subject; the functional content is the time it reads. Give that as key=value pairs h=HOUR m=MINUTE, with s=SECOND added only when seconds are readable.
h=3 m=1
